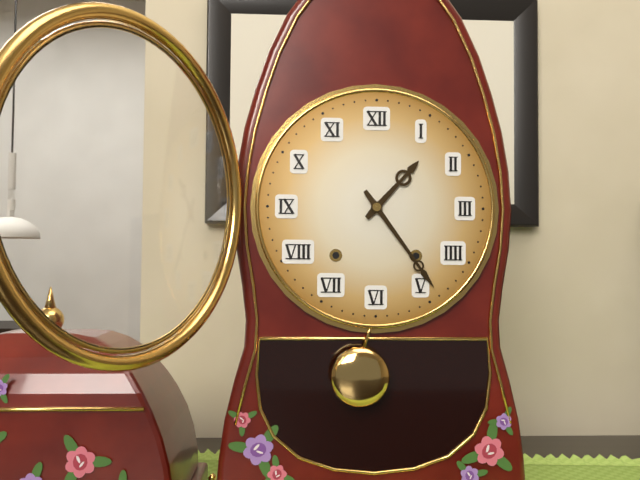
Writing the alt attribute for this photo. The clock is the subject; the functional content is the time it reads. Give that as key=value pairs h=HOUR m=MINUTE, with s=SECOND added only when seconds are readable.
h=1 m=24
